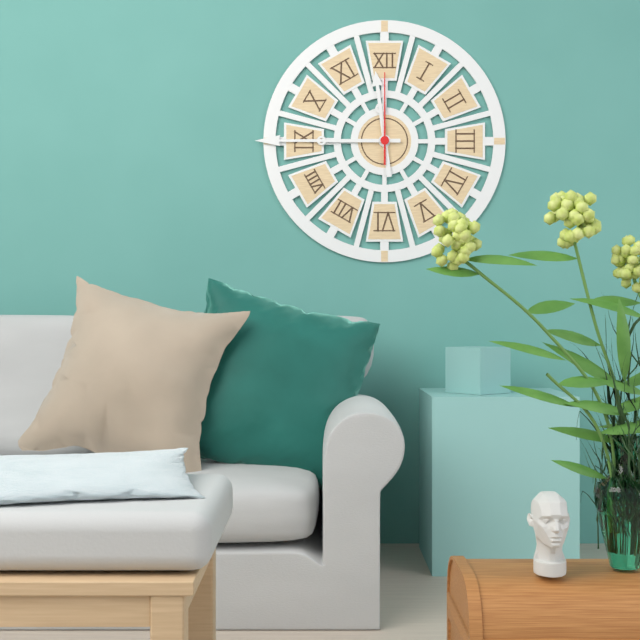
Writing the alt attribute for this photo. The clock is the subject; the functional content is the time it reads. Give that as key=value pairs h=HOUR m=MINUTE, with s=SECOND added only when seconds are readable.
h=11 m=45 s=0
